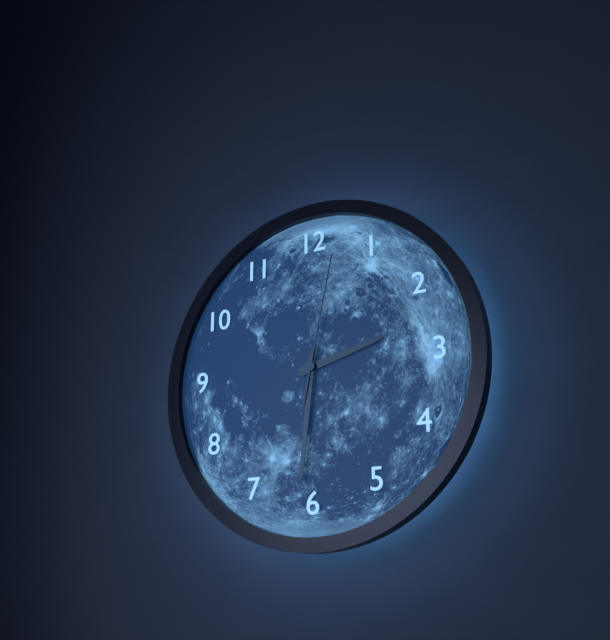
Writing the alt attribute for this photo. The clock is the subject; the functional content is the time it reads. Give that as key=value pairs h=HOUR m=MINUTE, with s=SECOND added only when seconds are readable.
h=2 m=31 s=2
